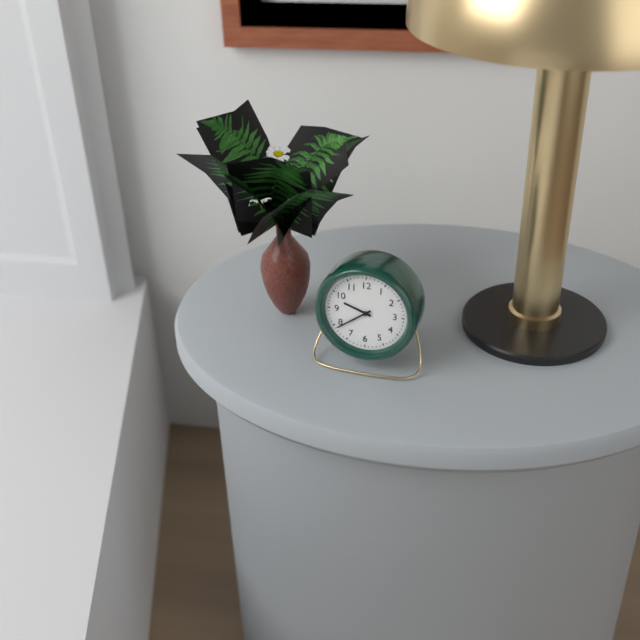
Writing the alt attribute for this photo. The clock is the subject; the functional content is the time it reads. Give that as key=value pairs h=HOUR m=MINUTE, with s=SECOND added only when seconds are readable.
h=9 m=39
